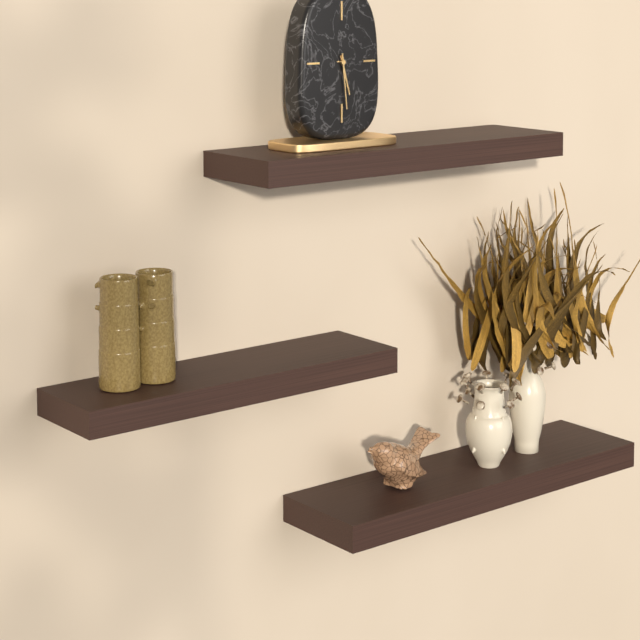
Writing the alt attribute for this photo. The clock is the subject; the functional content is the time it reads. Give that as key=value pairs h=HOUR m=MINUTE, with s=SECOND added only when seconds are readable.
h=5 m=29
